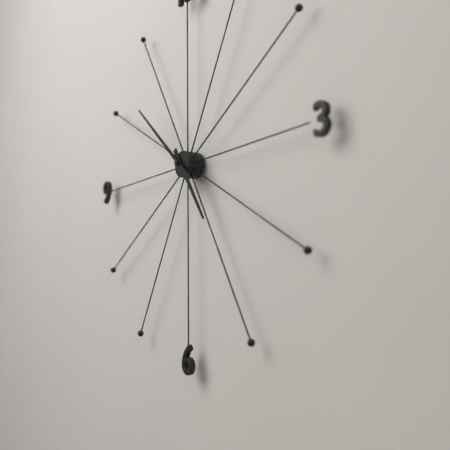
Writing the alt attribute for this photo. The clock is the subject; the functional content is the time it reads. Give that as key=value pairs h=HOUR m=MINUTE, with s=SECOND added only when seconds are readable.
h=4 m=52
